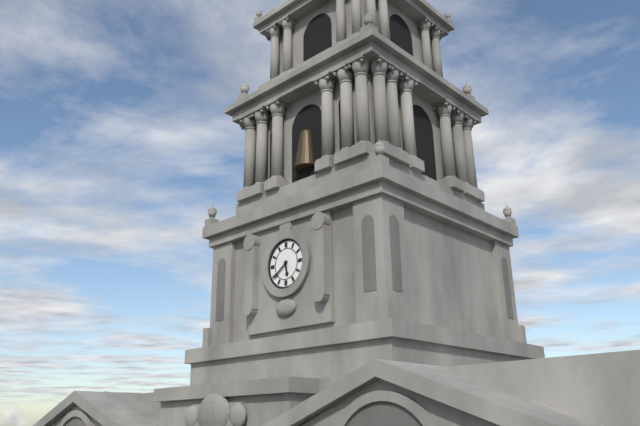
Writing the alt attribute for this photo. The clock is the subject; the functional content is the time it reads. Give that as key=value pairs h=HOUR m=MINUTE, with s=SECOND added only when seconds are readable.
h=5 m=39
